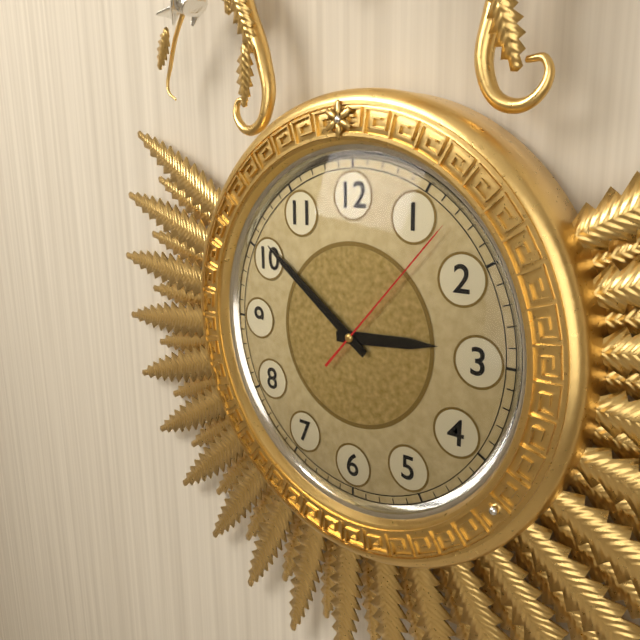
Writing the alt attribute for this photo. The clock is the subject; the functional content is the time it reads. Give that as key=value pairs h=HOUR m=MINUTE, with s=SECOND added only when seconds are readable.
h=2 m=51 s=7
